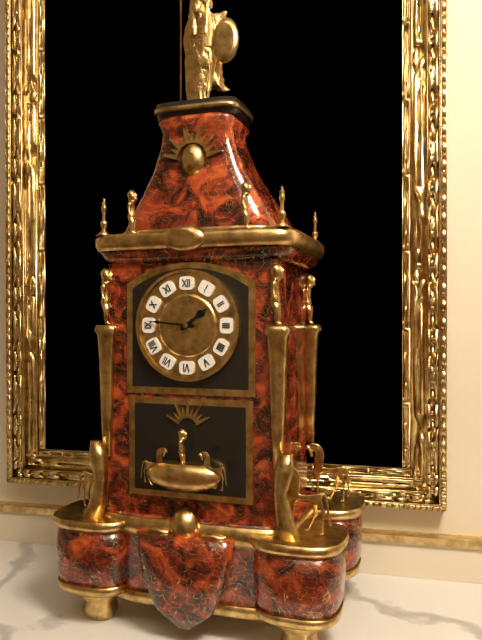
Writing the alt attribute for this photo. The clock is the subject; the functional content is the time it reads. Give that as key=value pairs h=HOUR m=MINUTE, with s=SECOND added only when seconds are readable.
h=1 m=46
